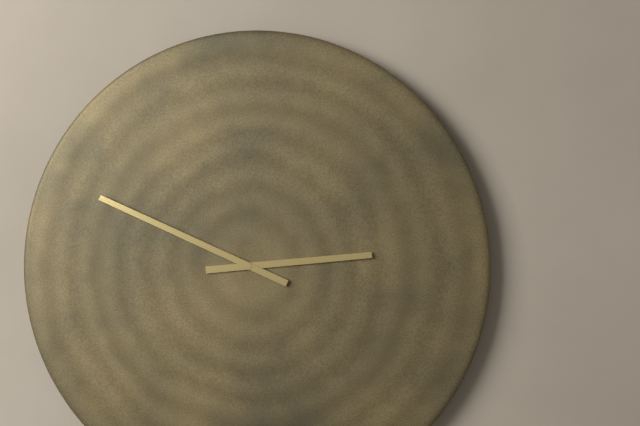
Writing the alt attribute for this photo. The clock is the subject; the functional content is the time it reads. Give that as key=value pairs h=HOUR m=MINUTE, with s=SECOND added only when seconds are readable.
h=2 m=49
